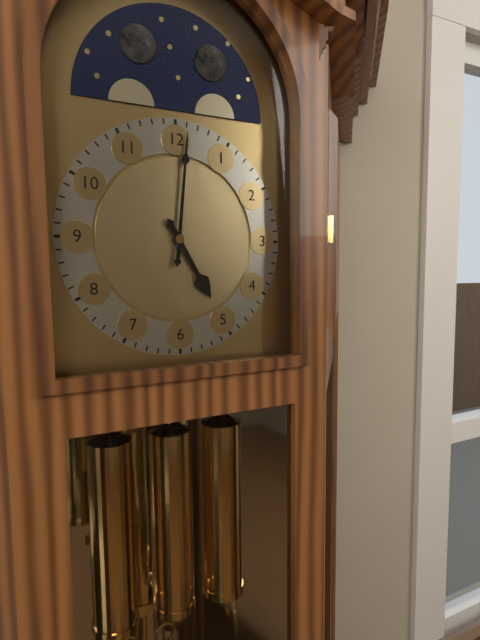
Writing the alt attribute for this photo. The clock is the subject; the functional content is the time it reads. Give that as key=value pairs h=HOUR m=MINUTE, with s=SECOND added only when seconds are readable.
h=5 m=1
